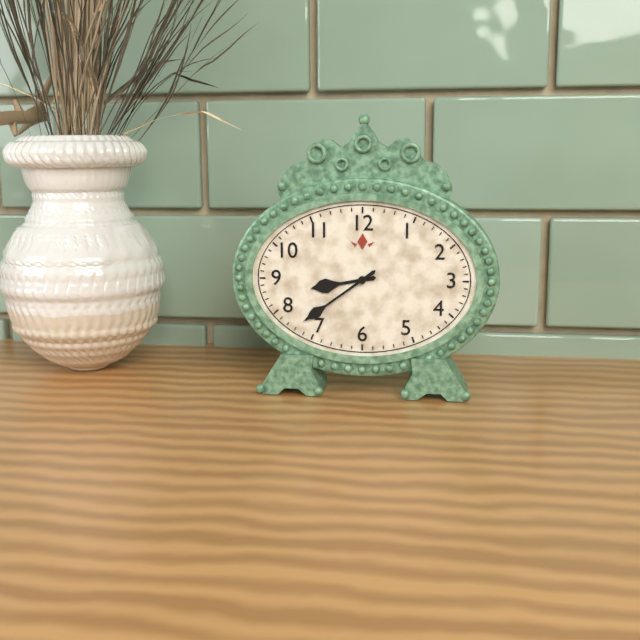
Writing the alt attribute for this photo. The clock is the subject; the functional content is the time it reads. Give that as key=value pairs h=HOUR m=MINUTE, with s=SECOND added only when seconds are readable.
h=8 m=39
